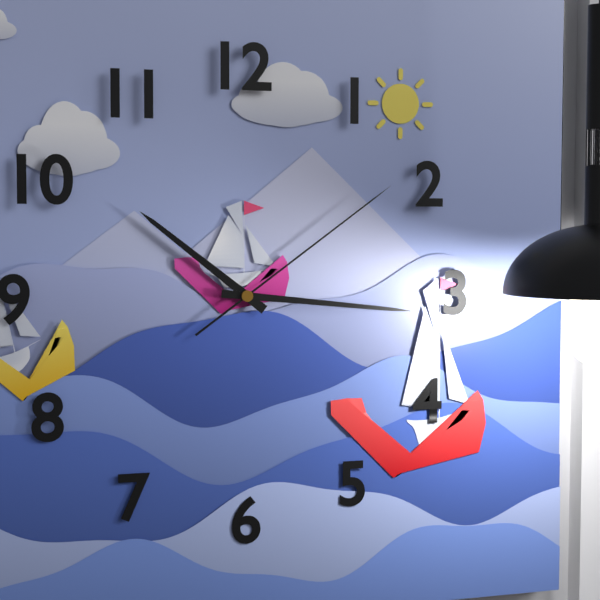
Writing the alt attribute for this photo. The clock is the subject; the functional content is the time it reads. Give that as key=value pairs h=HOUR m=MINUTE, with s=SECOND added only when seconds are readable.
h=10 m=16 s=9
